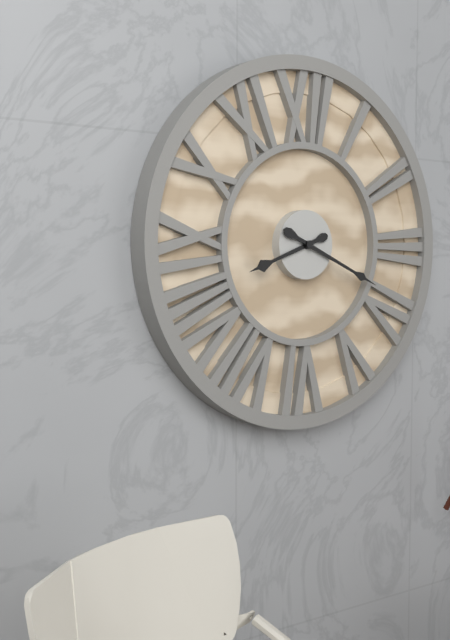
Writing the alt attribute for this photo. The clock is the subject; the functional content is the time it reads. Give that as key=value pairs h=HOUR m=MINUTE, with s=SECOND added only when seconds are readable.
h=8 m=19
